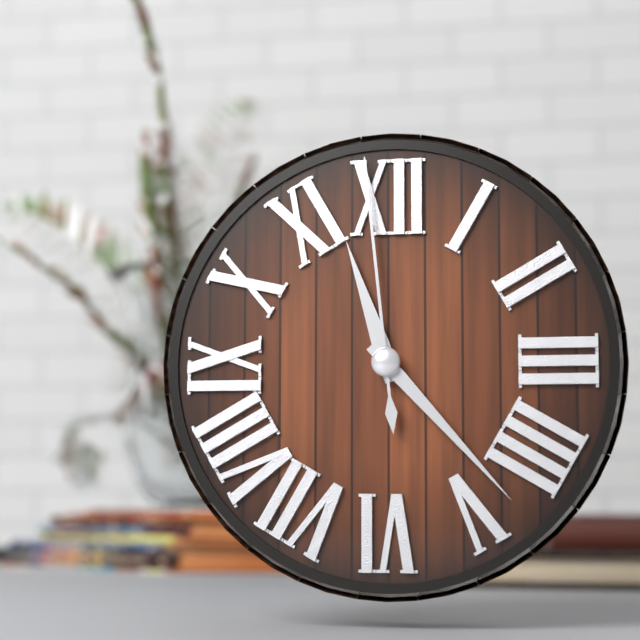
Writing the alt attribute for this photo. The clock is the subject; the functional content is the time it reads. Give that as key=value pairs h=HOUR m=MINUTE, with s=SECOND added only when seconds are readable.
h=11 m=23 s=59
